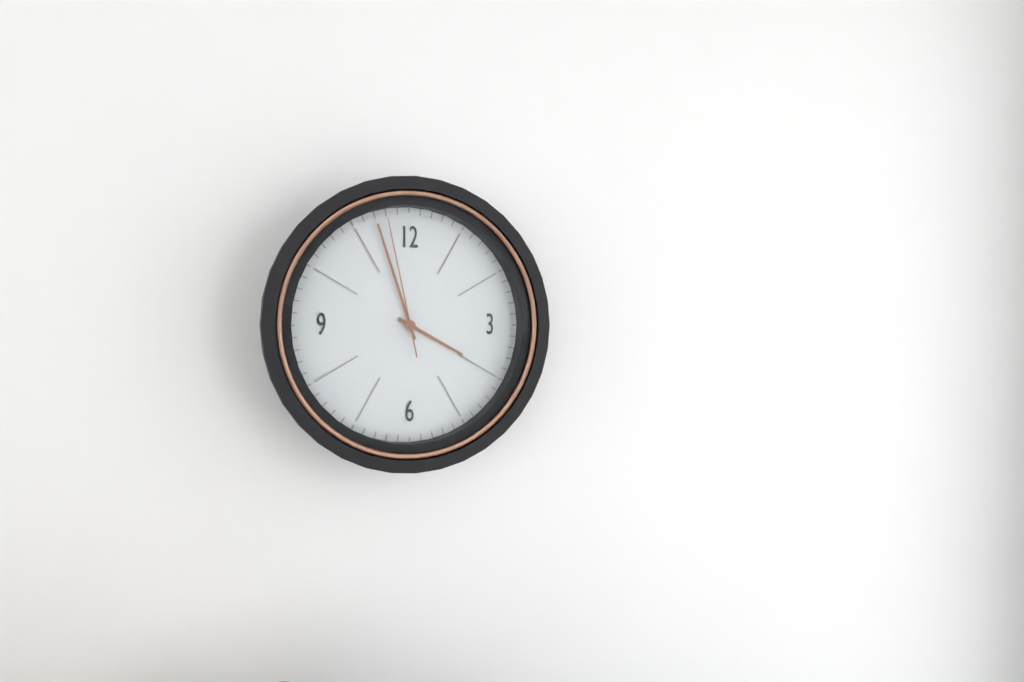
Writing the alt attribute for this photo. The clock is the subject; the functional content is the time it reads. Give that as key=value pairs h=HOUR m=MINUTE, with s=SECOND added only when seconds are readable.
h=3 m=57 s=58
